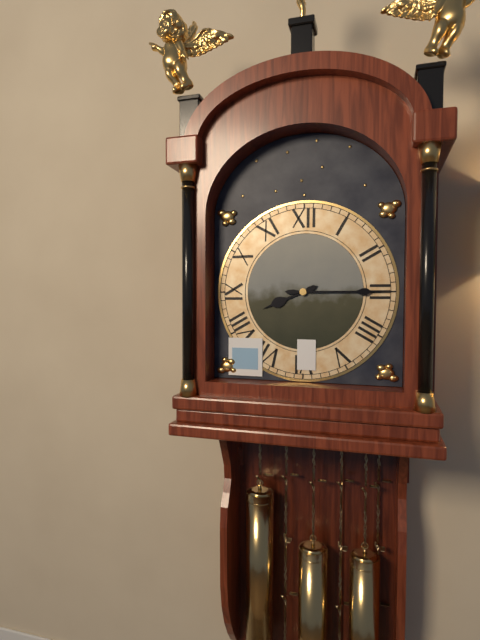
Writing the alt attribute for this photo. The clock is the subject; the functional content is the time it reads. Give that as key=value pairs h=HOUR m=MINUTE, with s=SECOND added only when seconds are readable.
h=8 m=15
